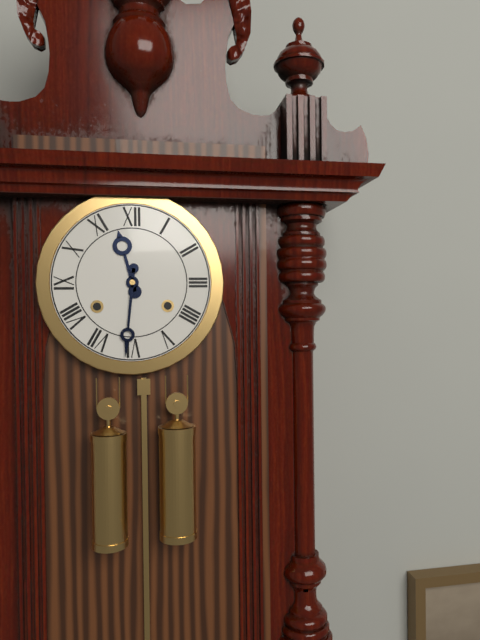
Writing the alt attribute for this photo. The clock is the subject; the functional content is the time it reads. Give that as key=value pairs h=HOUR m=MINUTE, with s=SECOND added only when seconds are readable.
h=11 m=31
